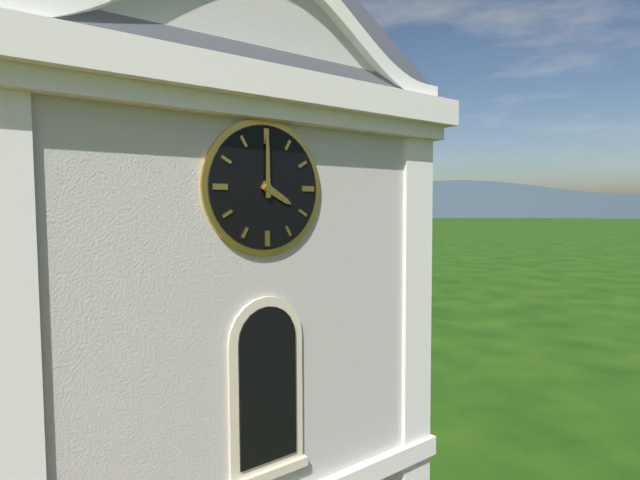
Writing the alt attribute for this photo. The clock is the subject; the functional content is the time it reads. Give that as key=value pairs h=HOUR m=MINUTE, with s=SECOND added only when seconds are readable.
h=4 m=0
